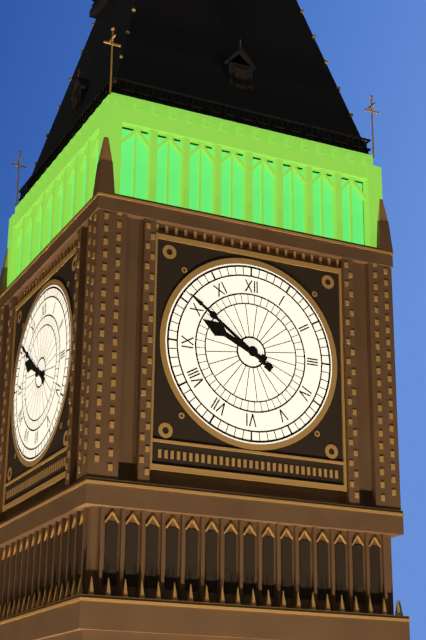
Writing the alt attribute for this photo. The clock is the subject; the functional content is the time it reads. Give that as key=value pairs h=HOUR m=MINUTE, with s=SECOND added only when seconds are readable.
h=9 m=51
